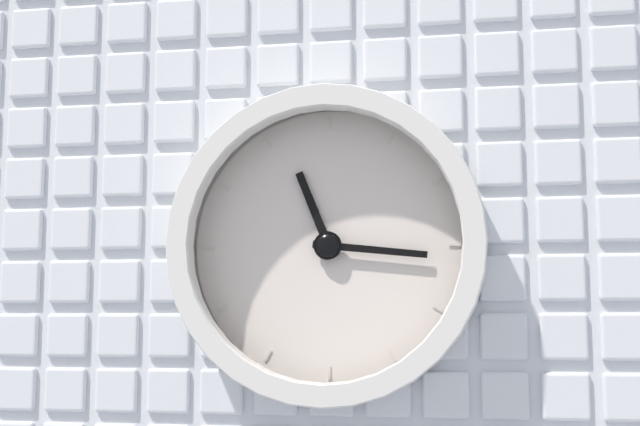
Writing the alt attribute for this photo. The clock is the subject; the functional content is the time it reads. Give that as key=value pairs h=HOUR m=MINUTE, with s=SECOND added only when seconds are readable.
h=11 m=16
